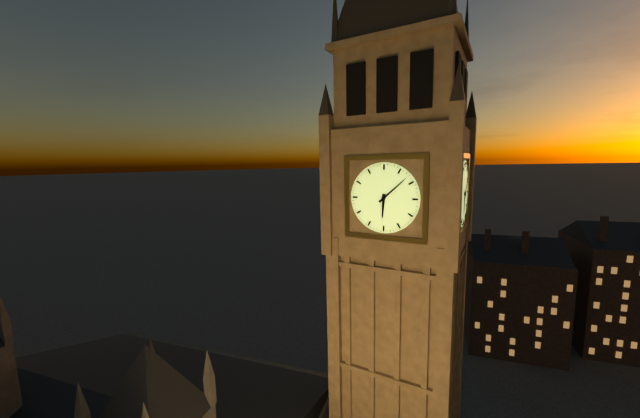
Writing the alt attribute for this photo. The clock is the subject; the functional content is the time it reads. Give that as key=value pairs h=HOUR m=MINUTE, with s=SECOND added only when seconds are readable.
h=6 m=8
